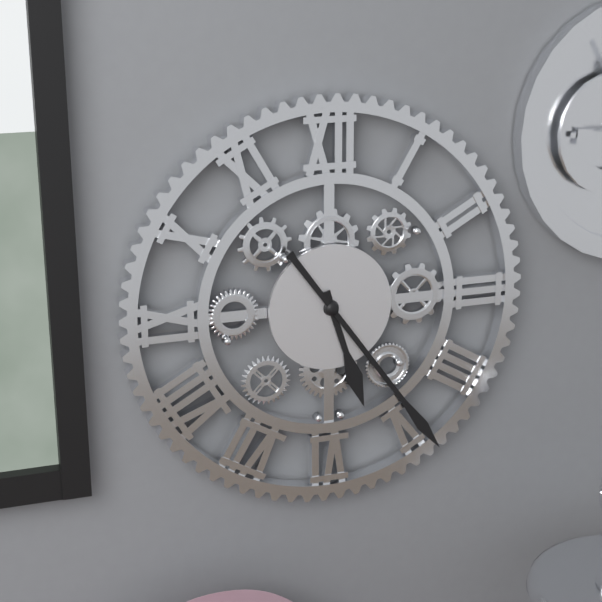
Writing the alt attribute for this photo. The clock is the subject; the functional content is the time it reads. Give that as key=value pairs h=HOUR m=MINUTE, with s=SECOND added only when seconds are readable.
h=5 m=24
